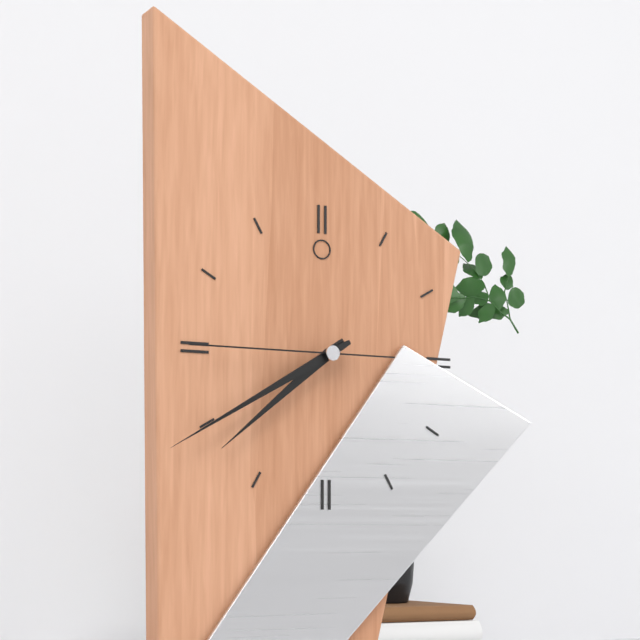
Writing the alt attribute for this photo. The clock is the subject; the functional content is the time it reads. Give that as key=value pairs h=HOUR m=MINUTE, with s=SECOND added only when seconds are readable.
h=7 m=40 s=45
